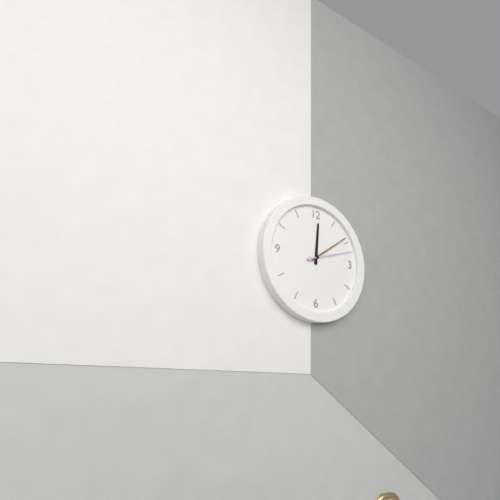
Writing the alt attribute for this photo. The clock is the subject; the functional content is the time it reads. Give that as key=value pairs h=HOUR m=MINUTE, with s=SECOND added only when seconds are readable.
h=12 m=9
